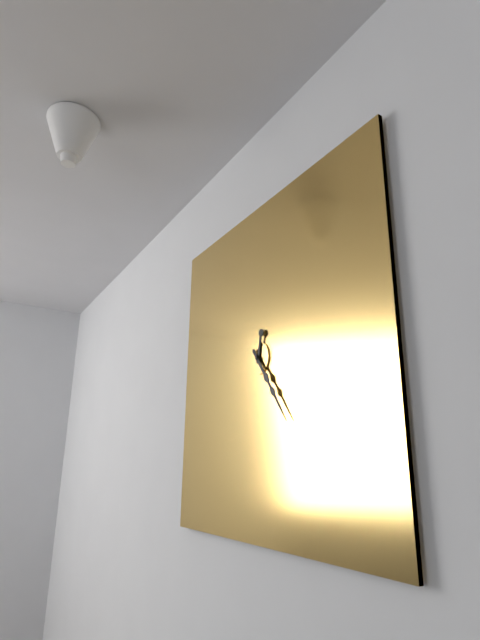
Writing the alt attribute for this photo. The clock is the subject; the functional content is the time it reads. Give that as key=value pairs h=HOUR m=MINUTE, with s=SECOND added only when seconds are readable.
h=12 m=24
